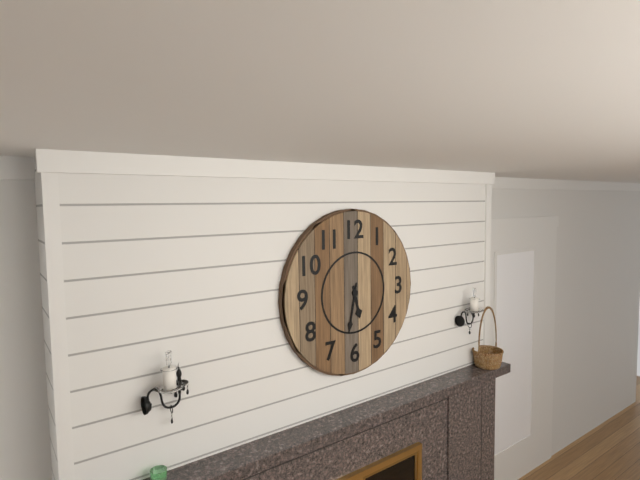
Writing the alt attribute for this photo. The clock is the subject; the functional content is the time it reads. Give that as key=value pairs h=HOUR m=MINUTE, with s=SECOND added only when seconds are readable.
h=5 m=32
